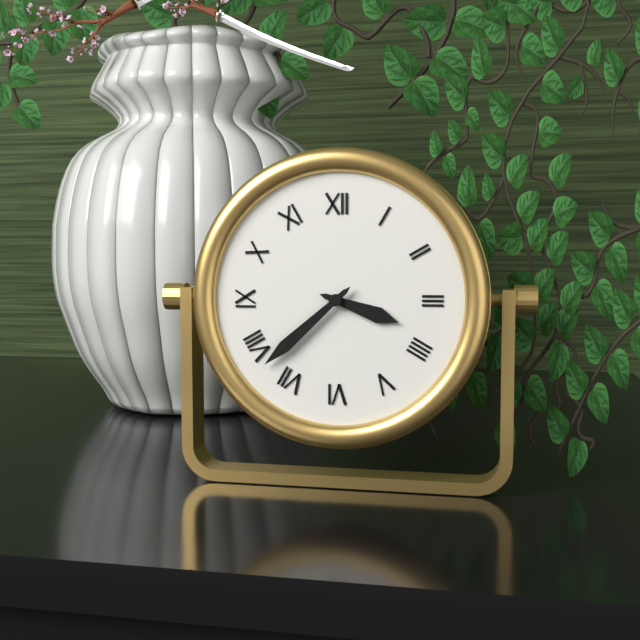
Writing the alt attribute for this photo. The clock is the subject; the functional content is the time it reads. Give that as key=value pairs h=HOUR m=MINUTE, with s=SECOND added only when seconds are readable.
h=3 m=38
